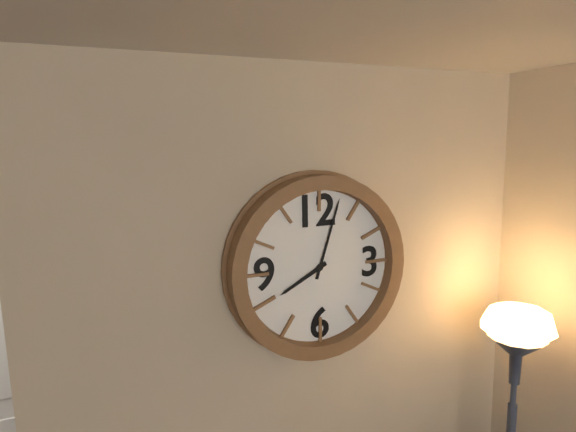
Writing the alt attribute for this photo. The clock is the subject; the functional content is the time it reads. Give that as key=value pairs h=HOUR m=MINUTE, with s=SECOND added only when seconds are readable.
h=8 m=3
